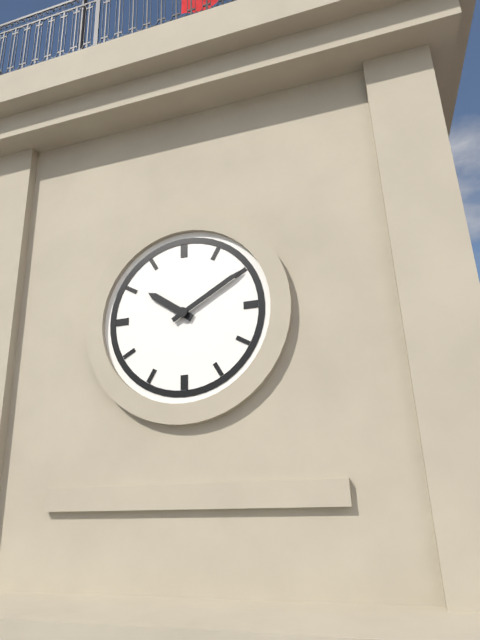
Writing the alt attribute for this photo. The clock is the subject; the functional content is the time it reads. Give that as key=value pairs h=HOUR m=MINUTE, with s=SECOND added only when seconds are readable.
h=10 m=10
